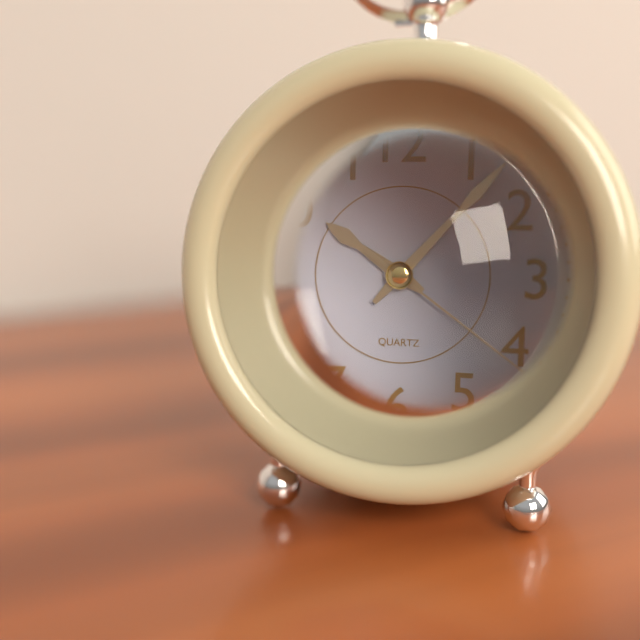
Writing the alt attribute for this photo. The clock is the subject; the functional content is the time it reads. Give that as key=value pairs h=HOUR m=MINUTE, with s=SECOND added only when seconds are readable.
h=10 m=7 s=21
